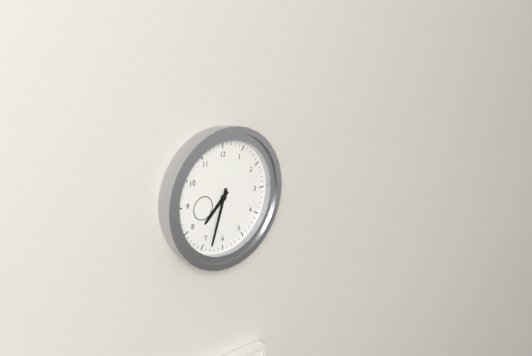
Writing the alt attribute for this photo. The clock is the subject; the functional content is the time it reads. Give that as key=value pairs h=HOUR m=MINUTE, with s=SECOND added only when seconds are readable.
h=7 m=33
